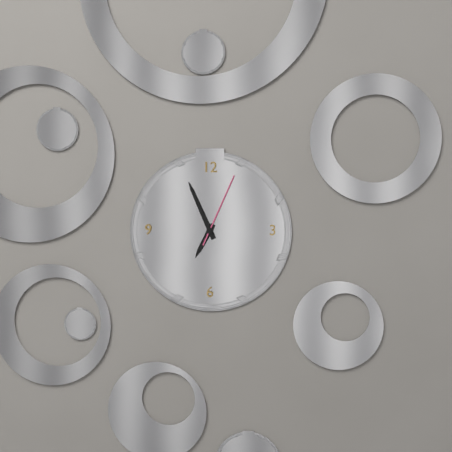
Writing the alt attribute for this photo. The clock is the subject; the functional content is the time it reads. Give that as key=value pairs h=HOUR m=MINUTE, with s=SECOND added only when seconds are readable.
h=6 m=56 s=4
